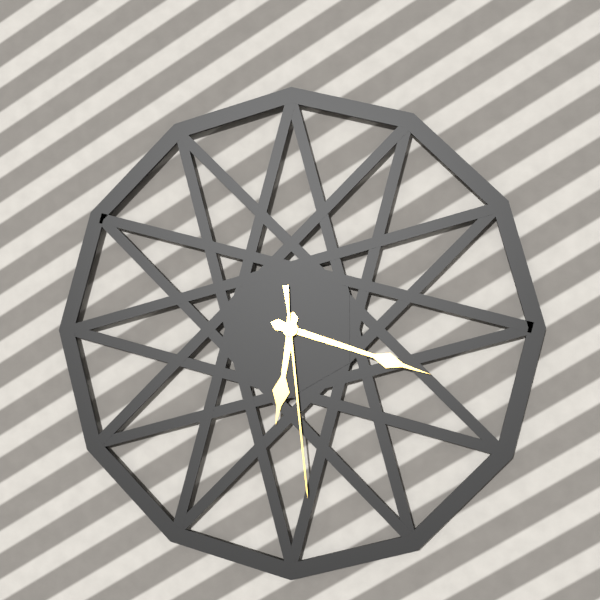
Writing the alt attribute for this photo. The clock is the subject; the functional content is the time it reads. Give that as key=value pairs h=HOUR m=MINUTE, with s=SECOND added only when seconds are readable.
h=6 m=18 s=29
